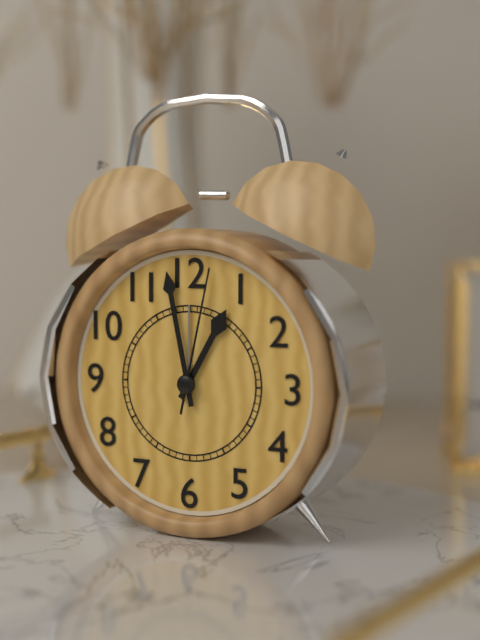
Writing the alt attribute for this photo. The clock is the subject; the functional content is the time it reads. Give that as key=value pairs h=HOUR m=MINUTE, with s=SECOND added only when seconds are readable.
h=12 m=58 s=2
